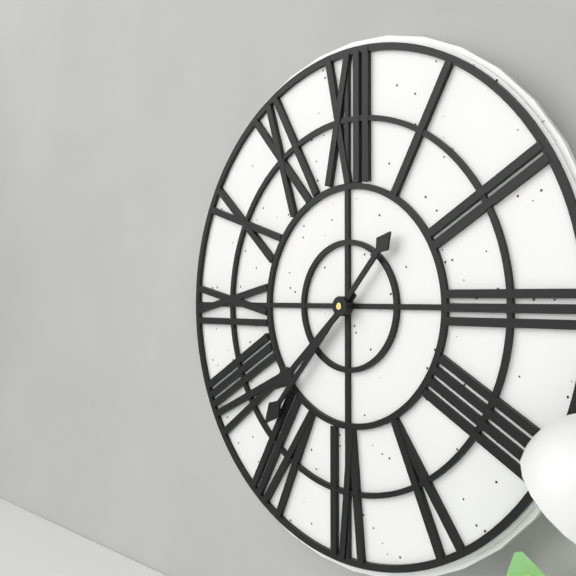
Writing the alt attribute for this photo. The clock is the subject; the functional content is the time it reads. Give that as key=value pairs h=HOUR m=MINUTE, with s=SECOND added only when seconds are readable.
h=7 m=37
